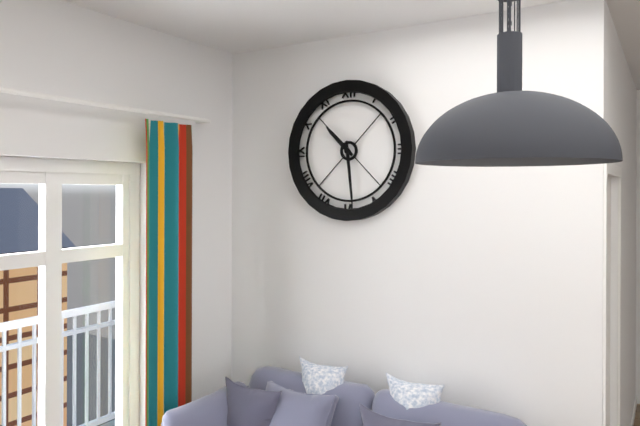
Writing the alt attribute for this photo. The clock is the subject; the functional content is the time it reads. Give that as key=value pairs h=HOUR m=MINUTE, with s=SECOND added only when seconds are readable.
h=10 m=29
